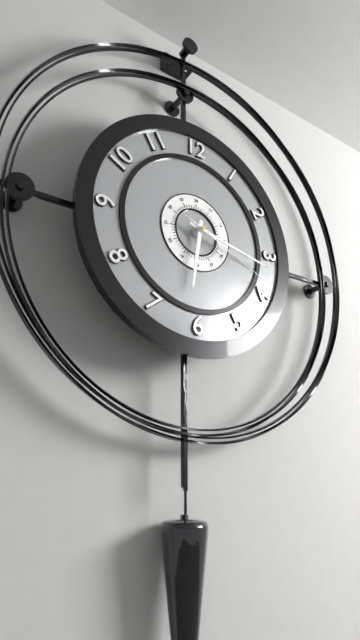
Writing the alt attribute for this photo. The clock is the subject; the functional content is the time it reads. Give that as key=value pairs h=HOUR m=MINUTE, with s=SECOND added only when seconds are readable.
h=6 m=17 s=19
